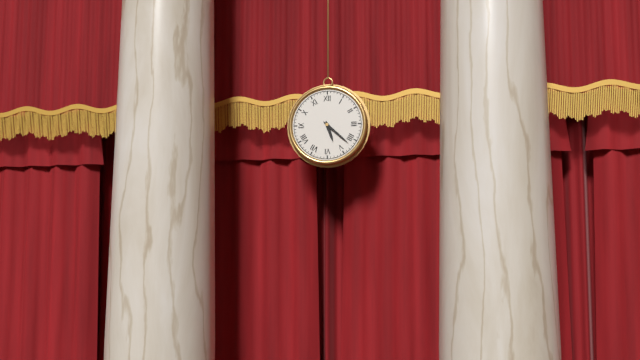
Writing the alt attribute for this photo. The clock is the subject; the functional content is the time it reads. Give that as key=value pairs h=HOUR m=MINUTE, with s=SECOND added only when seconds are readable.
h=5 m=22
